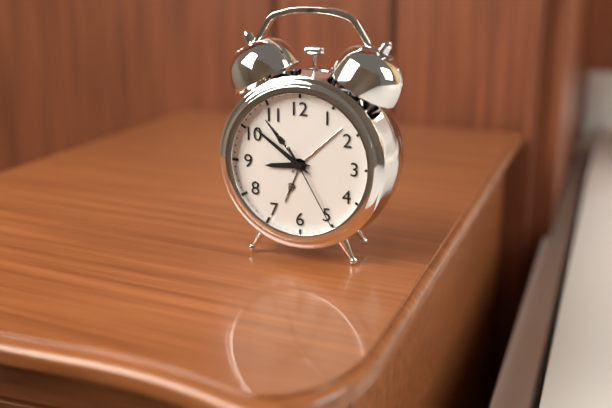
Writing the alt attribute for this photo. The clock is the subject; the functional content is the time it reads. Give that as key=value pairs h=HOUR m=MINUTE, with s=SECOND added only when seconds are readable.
h=8 m=51 s=25
